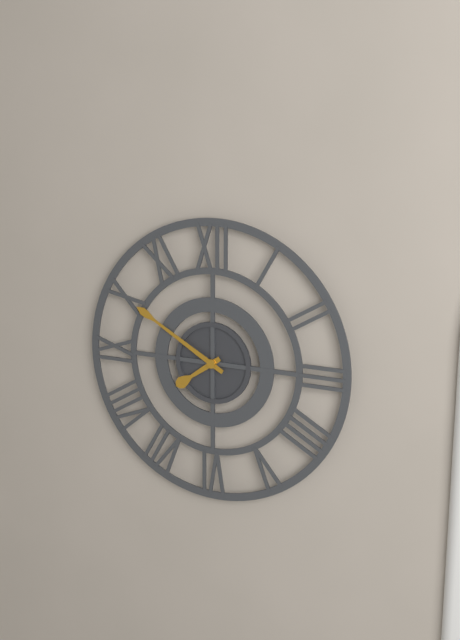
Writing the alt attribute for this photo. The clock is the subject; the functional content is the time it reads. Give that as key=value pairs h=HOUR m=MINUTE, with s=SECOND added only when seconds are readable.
h=7 m=50
